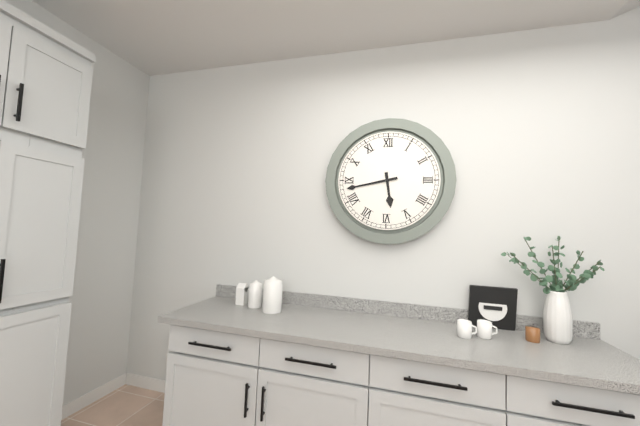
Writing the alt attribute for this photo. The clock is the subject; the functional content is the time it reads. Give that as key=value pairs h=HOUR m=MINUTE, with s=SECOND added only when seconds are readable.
h=5 m=43
